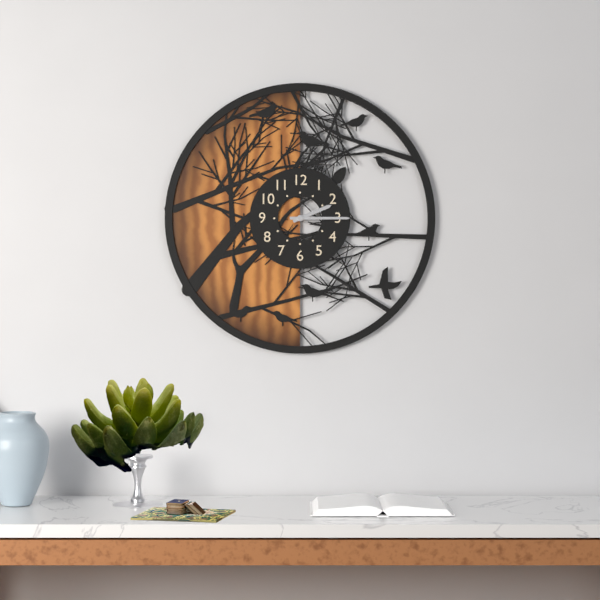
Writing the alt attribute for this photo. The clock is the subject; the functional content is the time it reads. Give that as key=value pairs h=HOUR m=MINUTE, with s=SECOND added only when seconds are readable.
h=2 m=15
